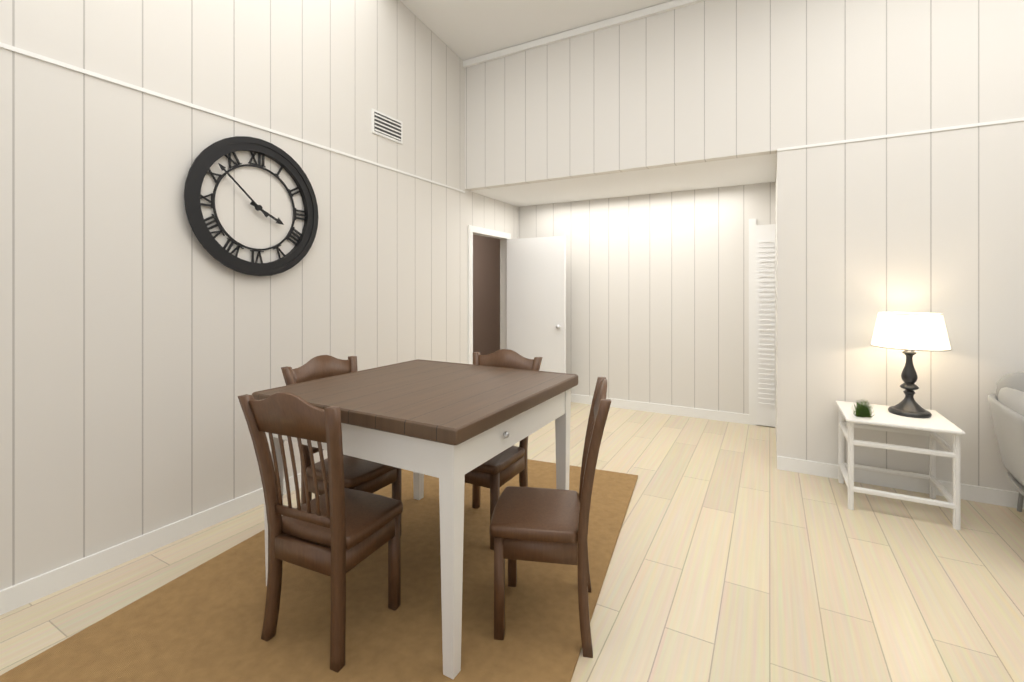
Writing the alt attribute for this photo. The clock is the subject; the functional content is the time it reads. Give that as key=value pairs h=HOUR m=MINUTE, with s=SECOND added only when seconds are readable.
h=3 m=52
